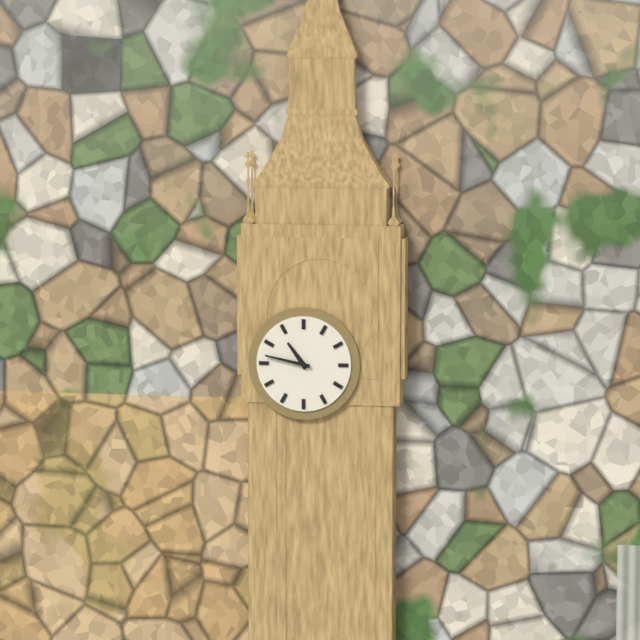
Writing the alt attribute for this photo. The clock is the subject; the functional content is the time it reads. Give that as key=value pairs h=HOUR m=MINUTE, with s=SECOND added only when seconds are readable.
h=10 m=47
